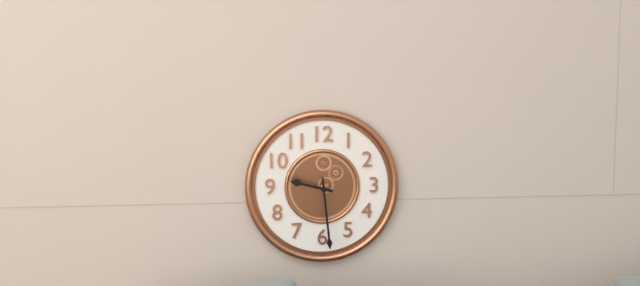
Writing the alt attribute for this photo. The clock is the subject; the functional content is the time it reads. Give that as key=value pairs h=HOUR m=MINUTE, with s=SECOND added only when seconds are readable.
h=9 m=29
